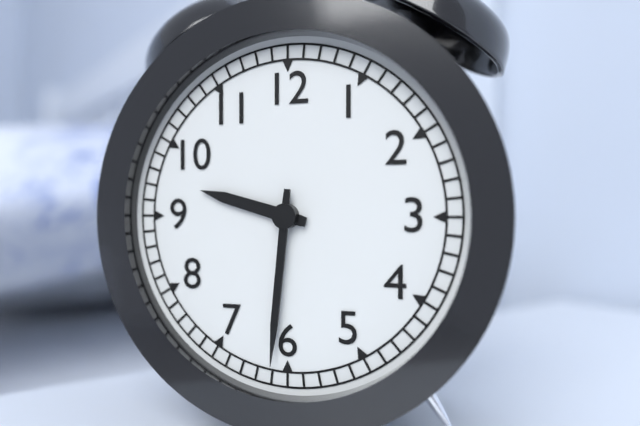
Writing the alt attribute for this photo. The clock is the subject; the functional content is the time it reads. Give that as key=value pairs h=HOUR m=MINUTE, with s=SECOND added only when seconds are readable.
h=9 m=31
